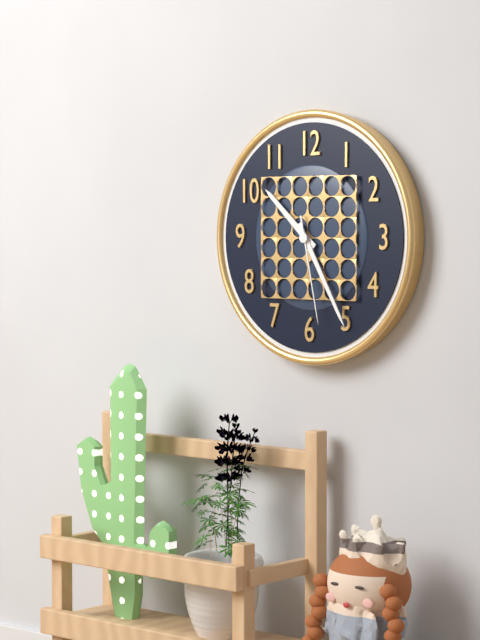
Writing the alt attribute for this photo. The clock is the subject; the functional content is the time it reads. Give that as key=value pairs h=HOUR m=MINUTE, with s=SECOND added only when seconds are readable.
h=10 m=25 s=28
